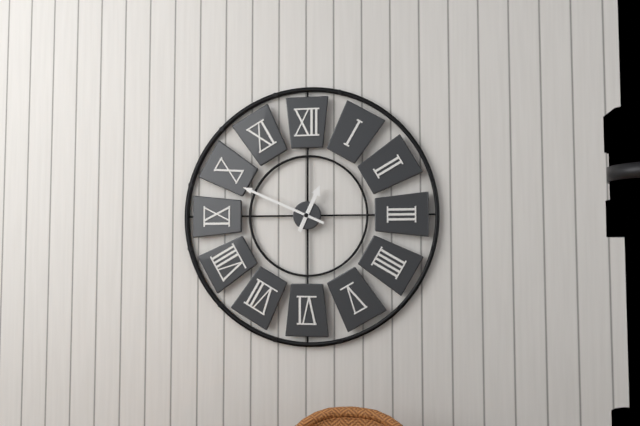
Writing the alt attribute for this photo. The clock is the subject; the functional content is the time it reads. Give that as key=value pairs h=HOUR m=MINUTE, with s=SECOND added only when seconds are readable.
h=12 m=49
